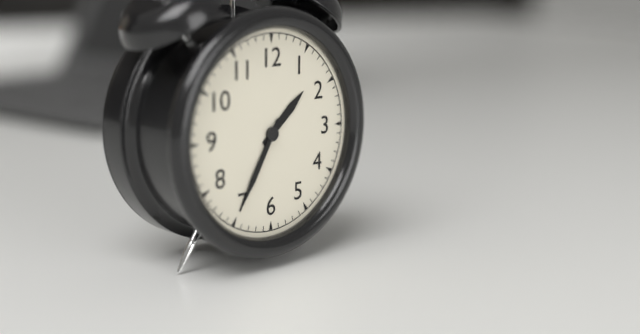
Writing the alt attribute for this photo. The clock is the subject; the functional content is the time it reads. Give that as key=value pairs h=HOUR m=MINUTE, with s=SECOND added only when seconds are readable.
h=1 m=35
